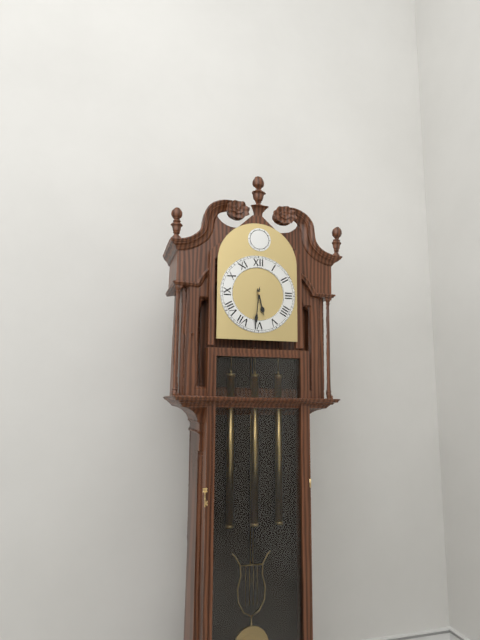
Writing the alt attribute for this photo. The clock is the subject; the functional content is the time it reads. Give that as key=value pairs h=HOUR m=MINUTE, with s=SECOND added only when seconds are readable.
h=5 m=31
